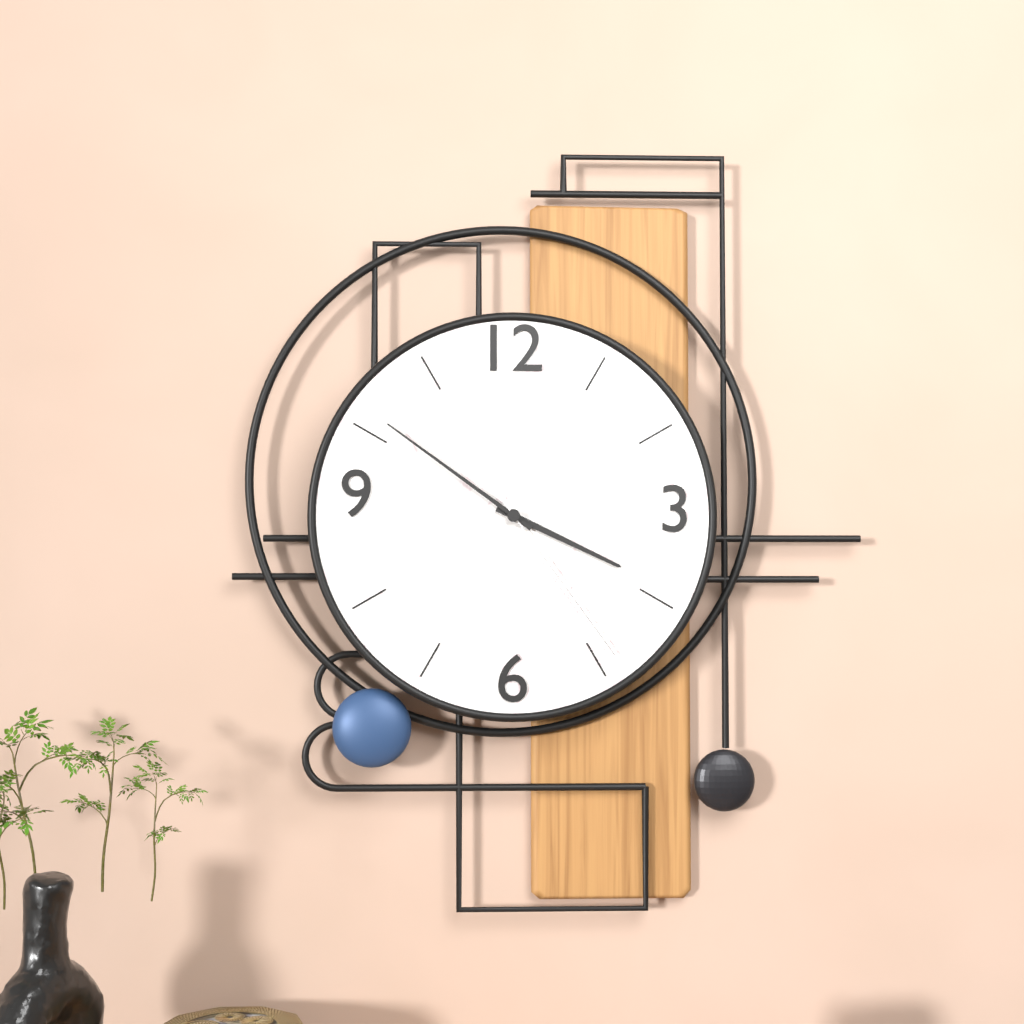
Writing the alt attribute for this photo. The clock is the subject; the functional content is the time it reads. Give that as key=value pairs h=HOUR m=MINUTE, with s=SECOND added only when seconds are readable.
h=3 m=51 s=24
